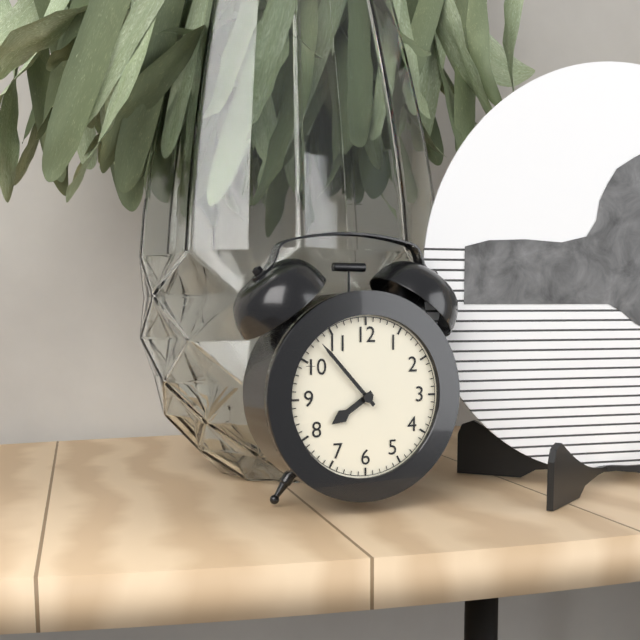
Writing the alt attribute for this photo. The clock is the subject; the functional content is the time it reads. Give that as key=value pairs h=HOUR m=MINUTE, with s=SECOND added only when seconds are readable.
h=7 m=53
